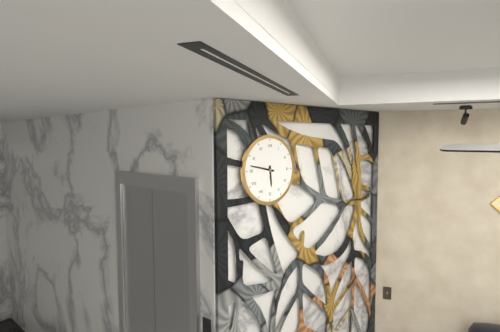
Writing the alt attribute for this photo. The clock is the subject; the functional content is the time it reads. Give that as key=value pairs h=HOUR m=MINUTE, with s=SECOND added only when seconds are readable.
h=5 m=47
